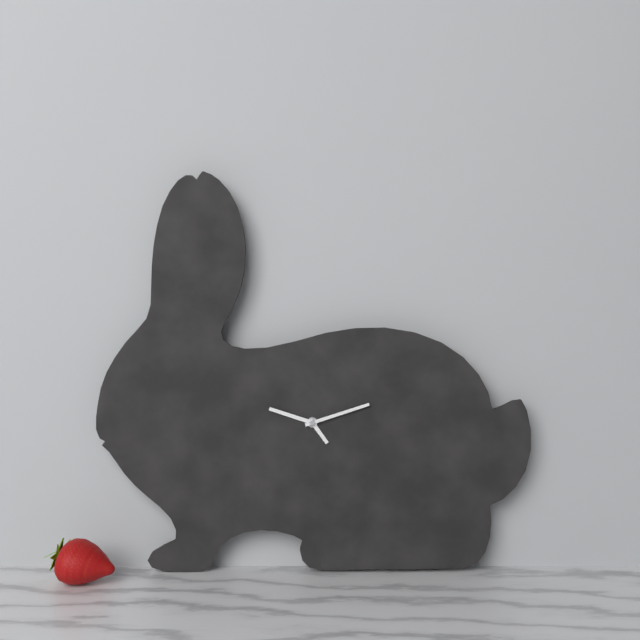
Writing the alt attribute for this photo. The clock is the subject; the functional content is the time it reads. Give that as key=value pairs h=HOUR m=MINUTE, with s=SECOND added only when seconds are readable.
h=4 m=48 s=12
